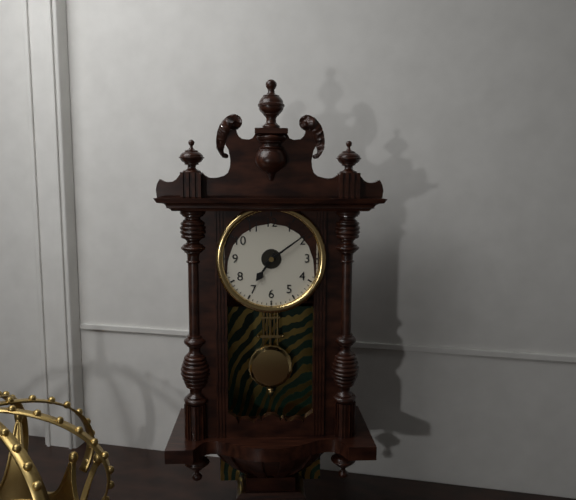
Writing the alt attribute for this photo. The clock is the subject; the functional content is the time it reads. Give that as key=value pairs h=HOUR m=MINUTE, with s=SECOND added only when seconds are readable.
h=7 m=9
